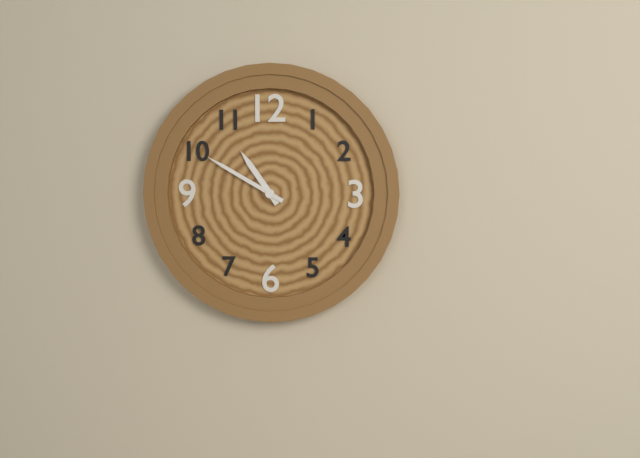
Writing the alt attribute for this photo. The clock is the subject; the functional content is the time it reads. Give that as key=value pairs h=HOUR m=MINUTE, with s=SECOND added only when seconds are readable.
h=10 m=50
